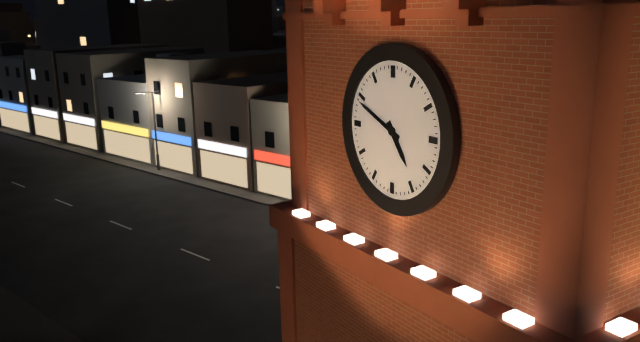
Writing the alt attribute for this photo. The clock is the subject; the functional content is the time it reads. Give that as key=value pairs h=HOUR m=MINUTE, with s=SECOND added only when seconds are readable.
h=4 m=49
